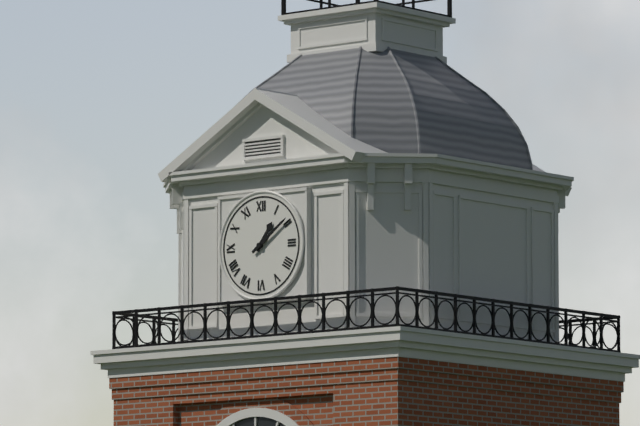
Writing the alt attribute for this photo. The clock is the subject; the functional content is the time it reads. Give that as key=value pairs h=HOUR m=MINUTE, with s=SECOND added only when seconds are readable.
h=1 m=9
